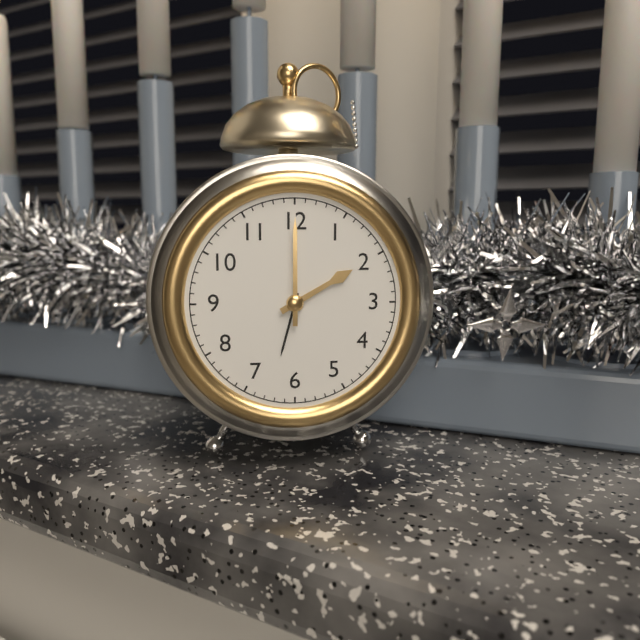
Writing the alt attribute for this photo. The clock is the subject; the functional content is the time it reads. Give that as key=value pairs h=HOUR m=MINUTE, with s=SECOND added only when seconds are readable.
h=2 m=0
